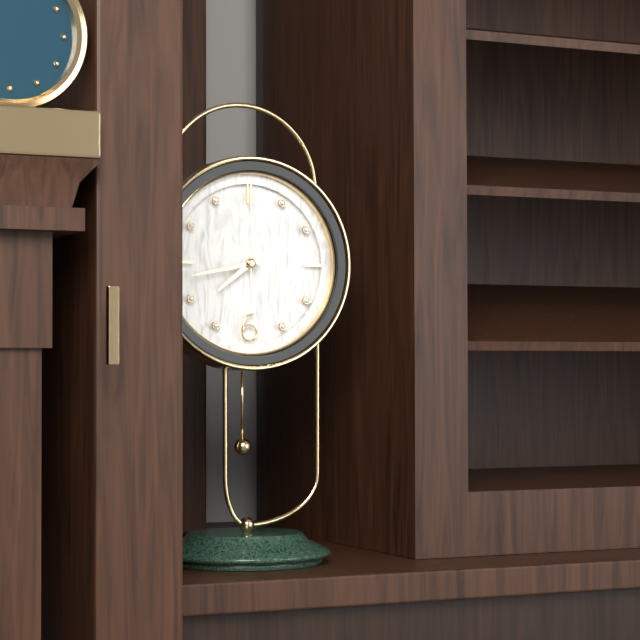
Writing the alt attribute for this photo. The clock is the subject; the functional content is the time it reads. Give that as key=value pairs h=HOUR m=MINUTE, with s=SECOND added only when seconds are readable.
h=7 m=43 s=0
